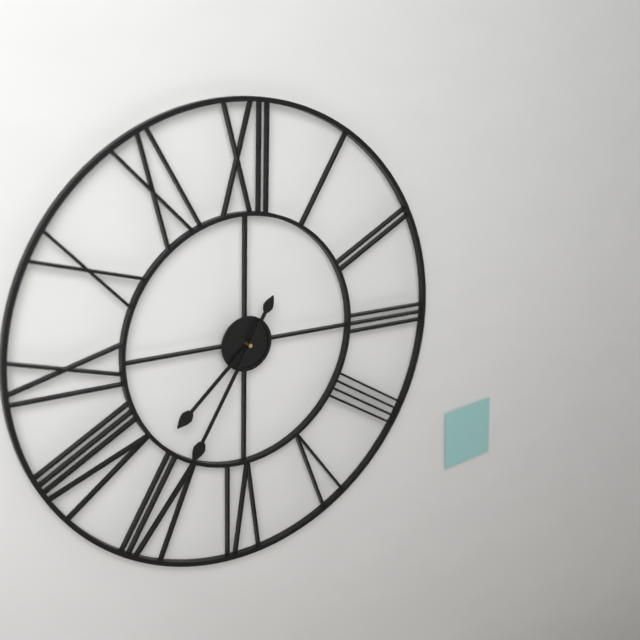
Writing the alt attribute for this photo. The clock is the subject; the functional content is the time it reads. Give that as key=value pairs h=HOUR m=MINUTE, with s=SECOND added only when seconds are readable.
h=7 m=35
